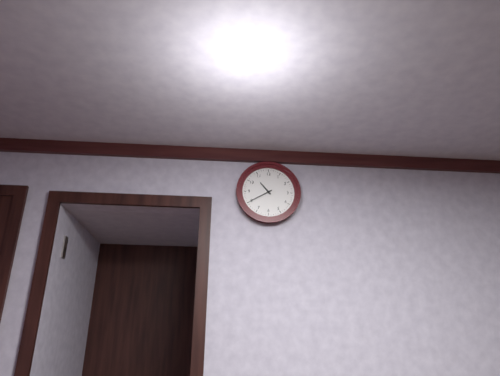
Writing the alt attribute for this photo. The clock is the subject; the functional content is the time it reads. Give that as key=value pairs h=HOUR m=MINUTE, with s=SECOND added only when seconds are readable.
h=10 m=40
